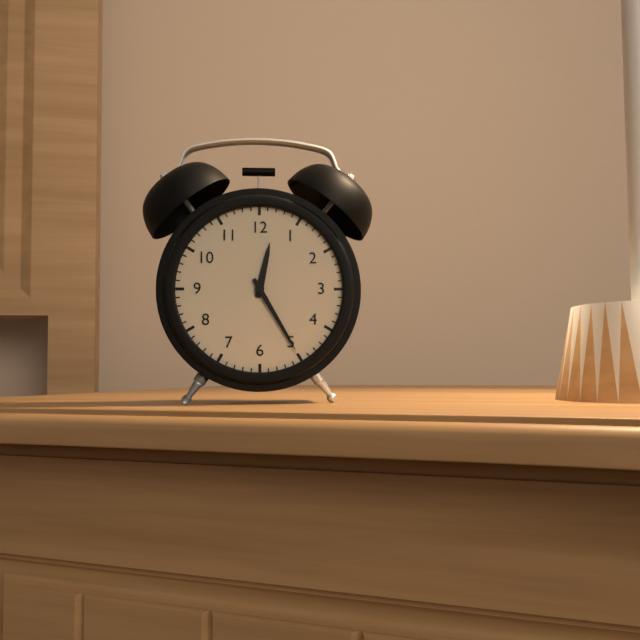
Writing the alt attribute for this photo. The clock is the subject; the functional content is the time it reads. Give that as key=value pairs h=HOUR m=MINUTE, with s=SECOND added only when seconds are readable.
h=12 m=25
